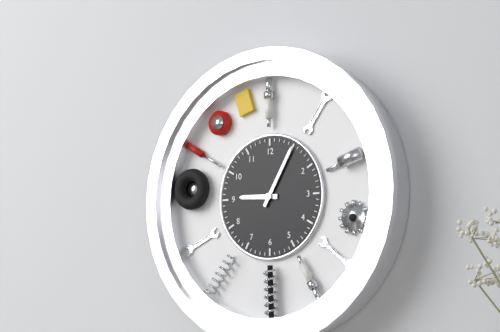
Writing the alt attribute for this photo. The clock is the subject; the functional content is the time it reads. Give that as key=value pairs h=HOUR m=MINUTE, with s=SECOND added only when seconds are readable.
h=9 m=5
